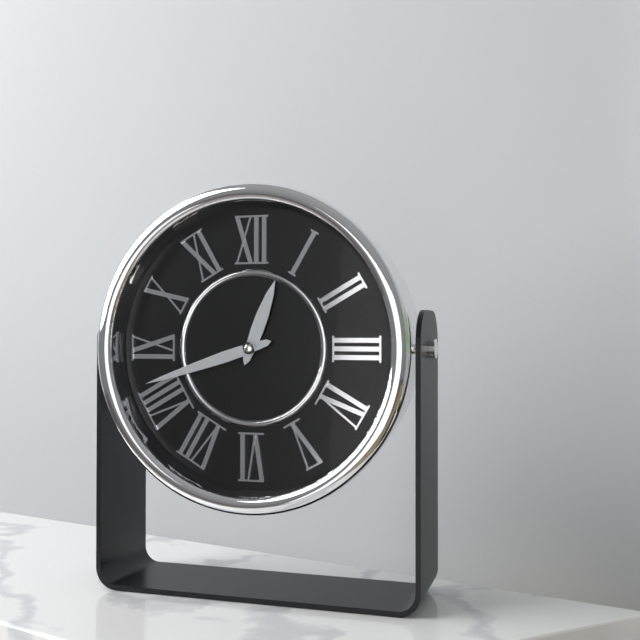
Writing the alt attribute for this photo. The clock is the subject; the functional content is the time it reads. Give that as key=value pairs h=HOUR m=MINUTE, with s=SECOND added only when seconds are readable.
h=12 m=42
